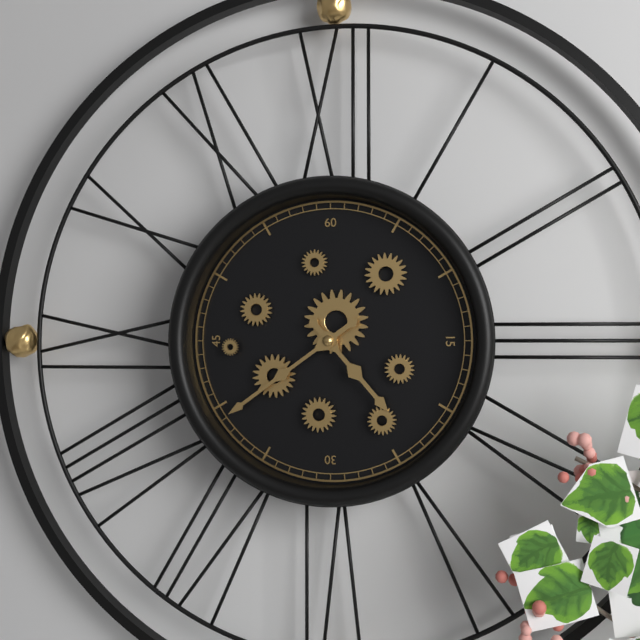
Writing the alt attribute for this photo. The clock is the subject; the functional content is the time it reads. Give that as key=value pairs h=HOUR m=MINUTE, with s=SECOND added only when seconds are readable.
h=4 m=39
